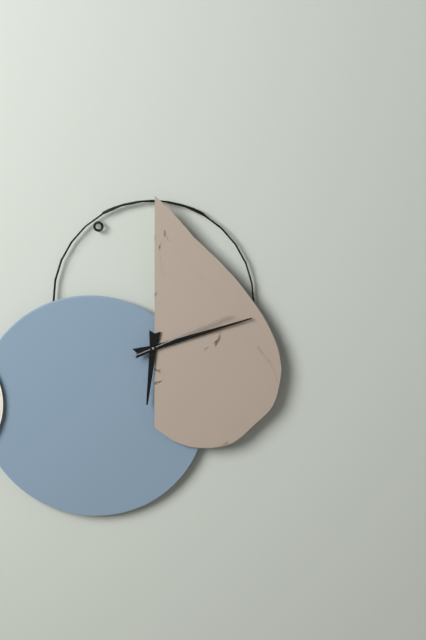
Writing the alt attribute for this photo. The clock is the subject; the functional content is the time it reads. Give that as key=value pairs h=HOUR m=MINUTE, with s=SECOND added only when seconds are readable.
h=6 m=12 s=11
